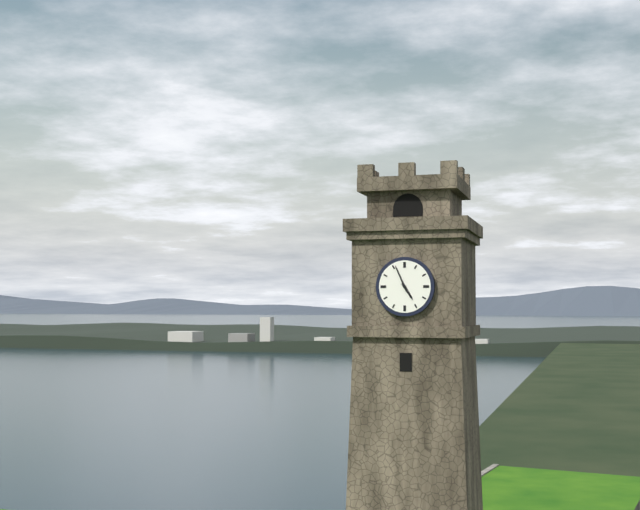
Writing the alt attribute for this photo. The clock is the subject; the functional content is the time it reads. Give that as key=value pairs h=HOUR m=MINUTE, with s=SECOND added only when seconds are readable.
h=4 m=56
